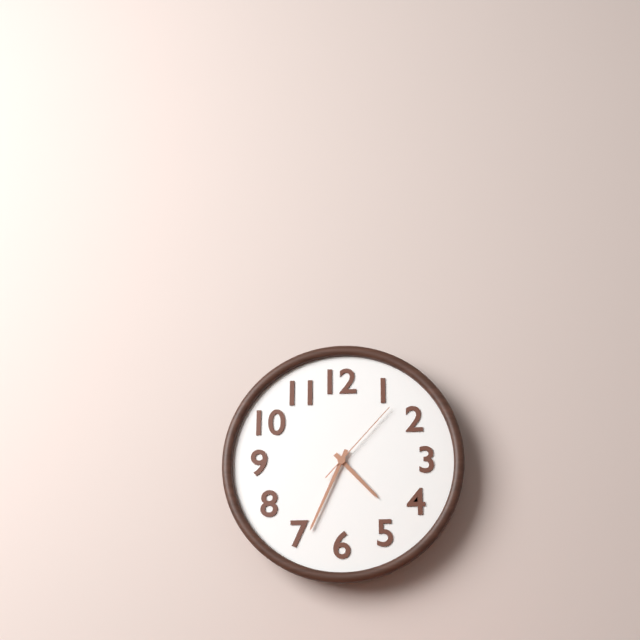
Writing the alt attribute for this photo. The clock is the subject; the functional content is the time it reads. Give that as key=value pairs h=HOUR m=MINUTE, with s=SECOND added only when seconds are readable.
h=4 m=34 s=7
